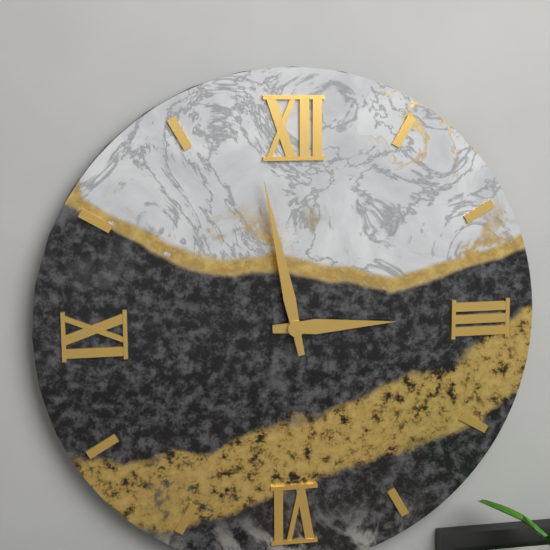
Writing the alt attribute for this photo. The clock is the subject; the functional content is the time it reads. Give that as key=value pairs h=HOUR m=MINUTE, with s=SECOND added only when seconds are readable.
h=2 m=58
